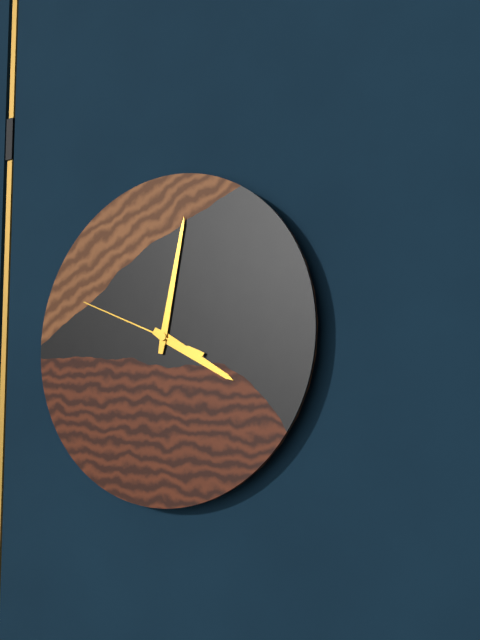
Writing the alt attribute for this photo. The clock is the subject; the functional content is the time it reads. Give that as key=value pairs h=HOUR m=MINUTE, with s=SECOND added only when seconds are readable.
h=4 m=2 s=49
